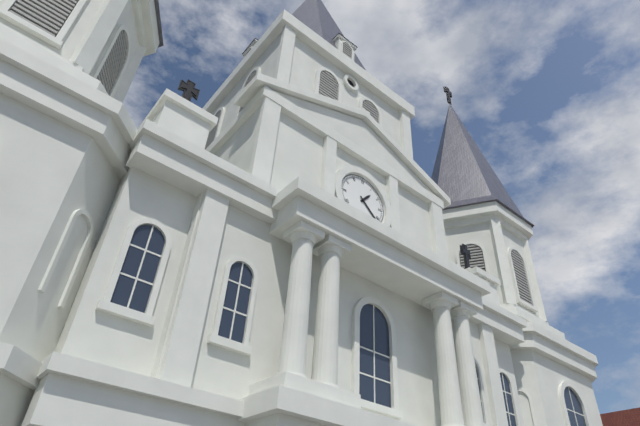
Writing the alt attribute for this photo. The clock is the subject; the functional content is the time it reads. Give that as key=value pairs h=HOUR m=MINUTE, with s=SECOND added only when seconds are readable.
h=1 m=22
